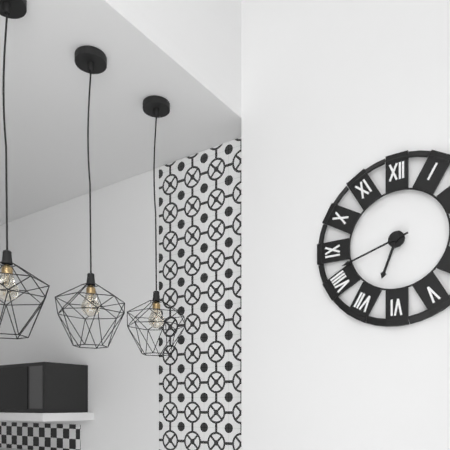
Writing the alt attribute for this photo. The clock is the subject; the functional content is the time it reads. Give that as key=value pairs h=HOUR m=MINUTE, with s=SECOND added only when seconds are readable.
h=6 m=42
